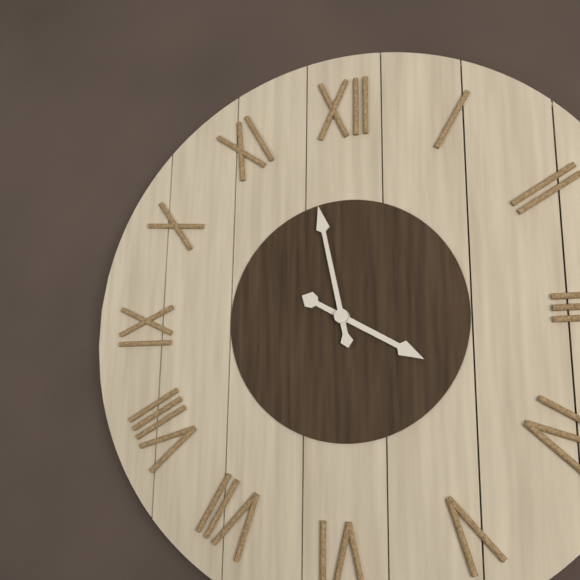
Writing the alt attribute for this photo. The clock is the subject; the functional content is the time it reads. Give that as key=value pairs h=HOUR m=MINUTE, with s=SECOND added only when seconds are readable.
h=3 m=58
